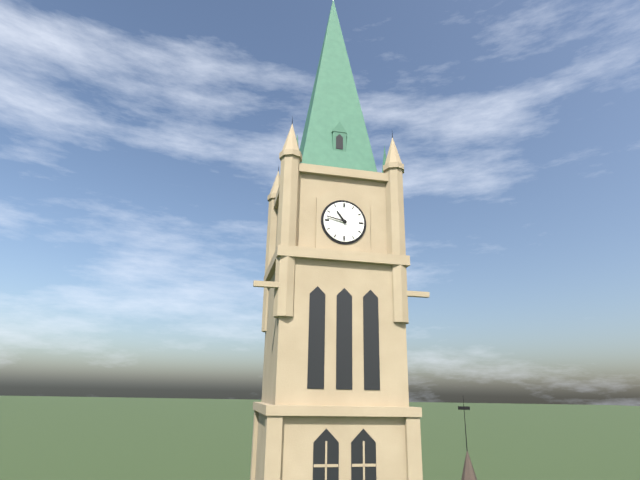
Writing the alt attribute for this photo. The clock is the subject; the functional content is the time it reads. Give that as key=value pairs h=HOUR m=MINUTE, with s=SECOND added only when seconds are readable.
h=10 m=47
